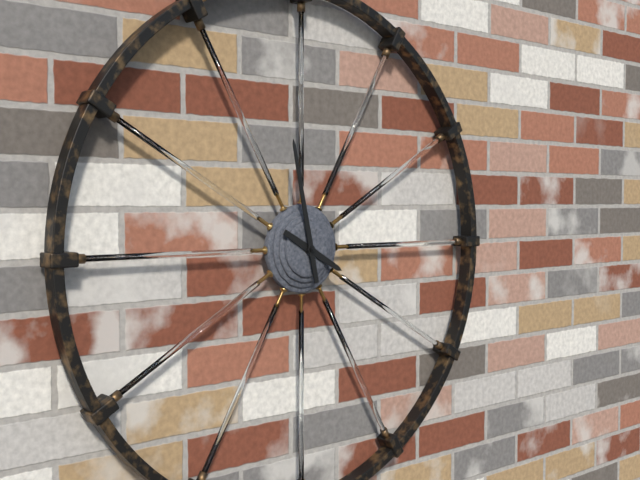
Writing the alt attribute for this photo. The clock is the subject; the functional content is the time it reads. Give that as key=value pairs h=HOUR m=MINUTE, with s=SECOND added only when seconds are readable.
h=3 m=58
